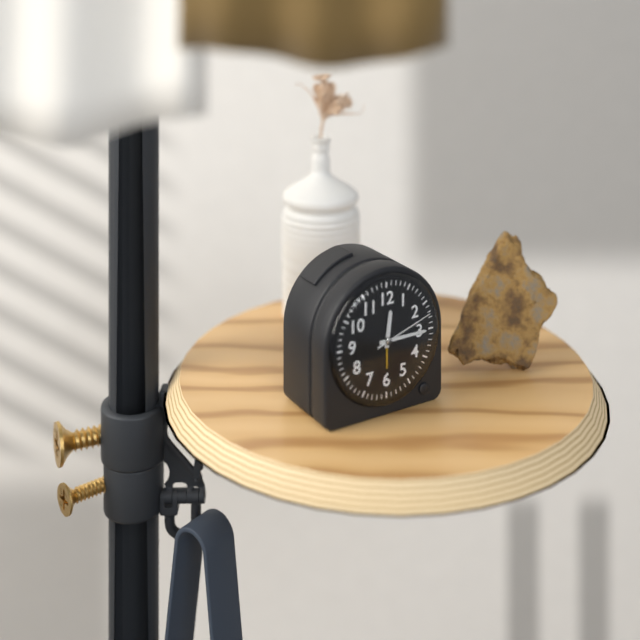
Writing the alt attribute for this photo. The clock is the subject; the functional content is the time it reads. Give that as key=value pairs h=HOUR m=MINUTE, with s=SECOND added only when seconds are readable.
h=12 m=15 s=12
